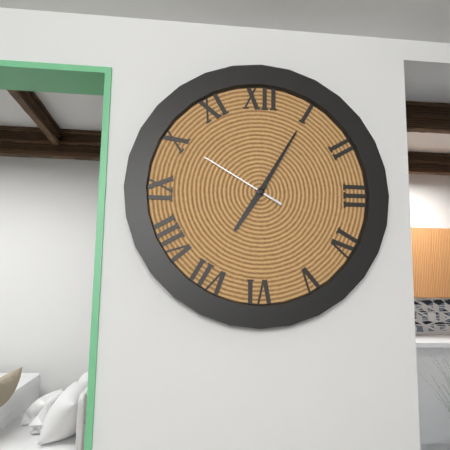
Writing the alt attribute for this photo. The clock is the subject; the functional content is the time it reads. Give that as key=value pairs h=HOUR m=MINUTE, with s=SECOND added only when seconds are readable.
h=7 m=5 s=50
